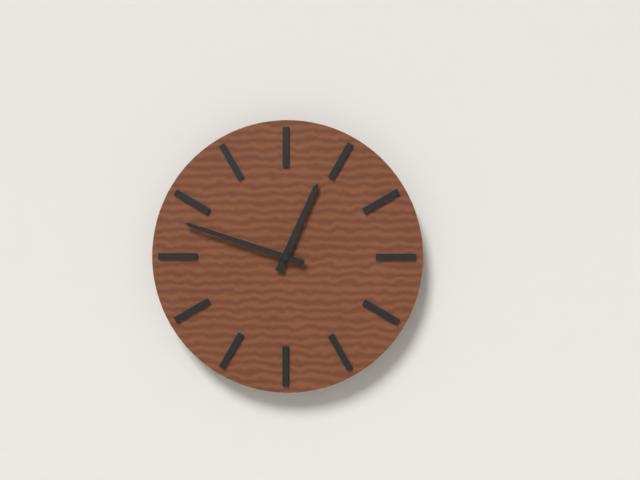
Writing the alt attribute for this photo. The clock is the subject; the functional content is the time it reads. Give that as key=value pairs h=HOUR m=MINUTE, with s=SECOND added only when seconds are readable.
h=12 m=48
